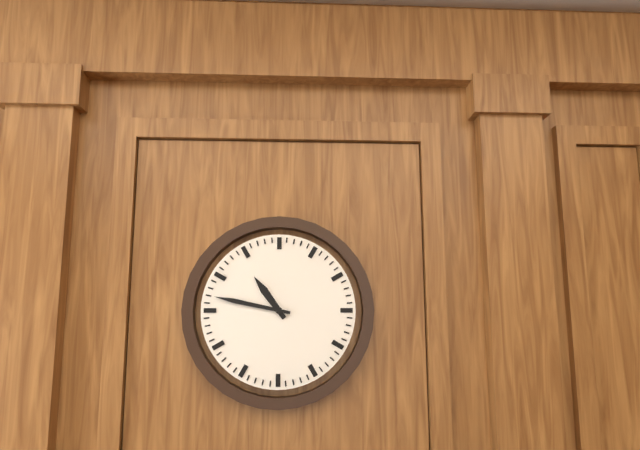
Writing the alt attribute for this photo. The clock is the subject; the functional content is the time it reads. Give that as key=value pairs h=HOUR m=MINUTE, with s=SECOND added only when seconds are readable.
h=10 m=47
